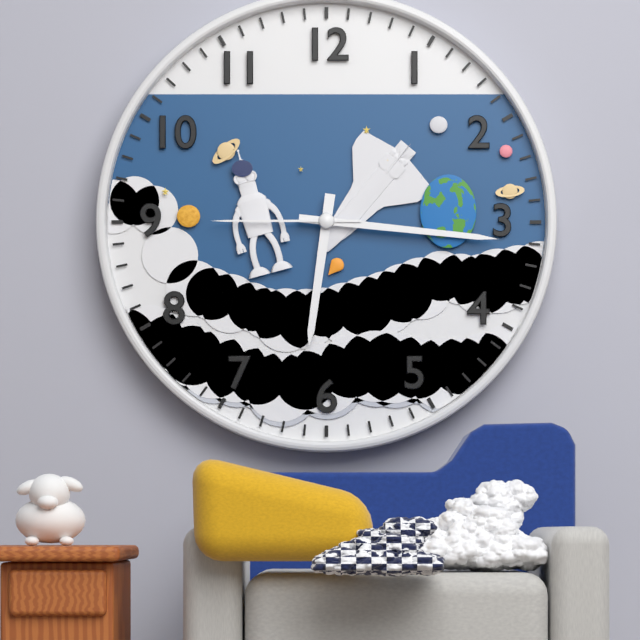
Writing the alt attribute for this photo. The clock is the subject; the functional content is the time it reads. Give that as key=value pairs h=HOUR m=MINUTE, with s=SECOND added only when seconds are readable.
h=6 m=16 s=45
